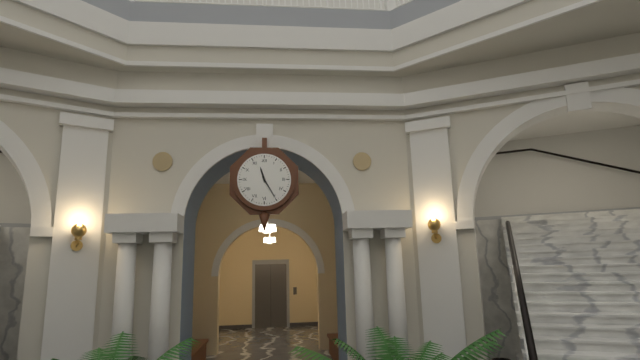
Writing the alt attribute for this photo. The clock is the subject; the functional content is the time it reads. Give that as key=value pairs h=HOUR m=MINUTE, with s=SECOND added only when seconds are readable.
h=11 m=25
